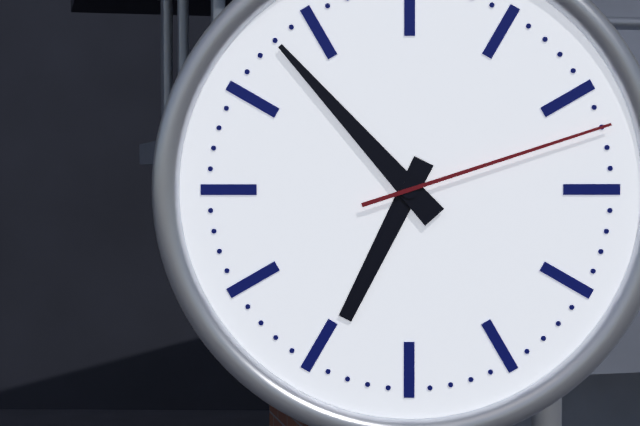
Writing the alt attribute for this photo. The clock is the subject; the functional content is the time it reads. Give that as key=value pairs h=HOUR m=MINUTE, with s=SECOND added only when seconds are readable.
h=6 m=53 s=12
